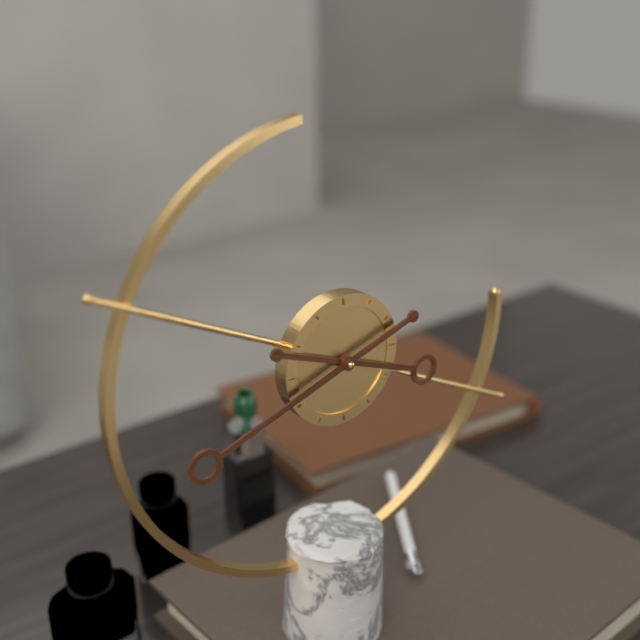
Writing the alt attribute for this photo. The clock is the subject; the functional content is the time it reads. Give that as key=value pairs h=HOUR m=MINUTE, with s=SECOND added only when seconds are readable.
h=3 m=42
